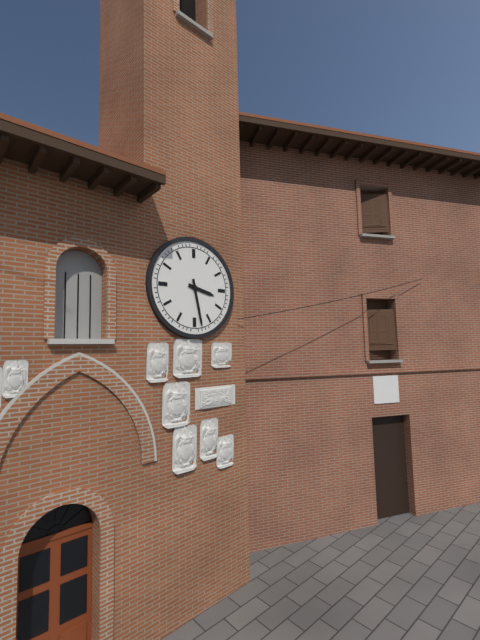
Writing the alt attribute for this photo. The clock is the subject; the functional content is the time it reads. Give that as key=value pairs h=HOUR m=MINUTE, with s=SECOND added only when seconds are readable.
h=3 m=28
